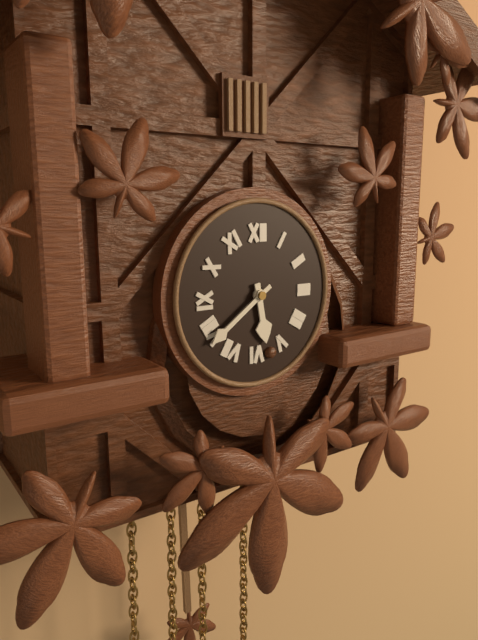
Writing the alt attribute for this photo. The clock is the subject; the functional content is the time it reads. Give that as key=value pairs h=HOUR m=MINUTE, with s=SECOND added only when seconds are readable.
h=5 m=39
